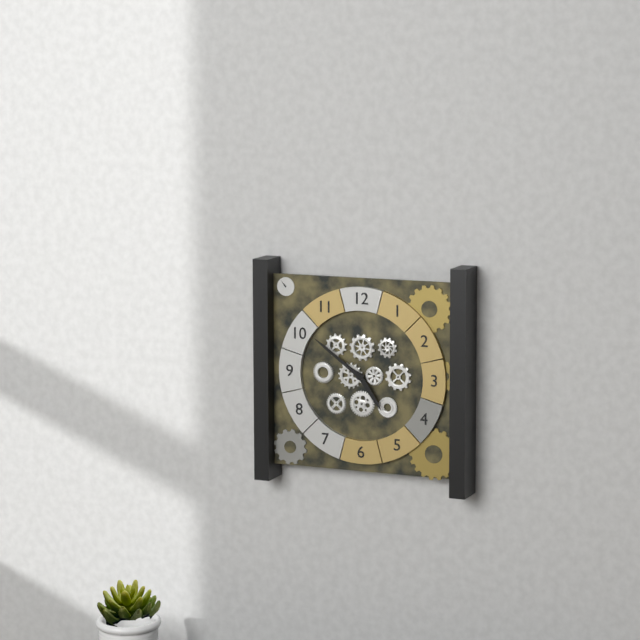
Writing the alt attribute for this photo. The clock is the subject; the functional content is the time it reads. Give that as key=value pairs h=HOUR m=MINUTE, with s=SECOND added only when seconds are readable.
h=4 m=51
